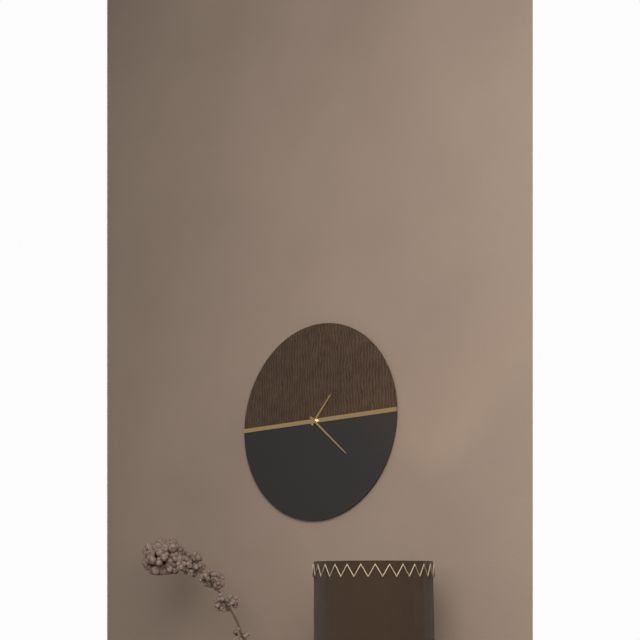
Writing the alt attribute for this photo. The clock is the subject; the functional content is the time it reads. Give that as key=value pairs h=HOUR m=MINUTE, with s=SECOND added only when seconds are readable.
h=1 m=22
